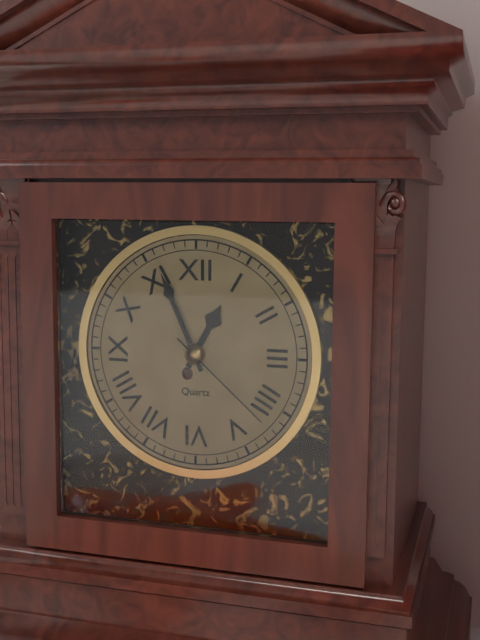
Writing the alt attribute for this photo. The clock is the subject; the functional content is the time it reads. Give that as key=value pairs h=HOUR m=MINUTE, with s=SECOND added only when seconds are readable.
h=12 m=56 s=22
